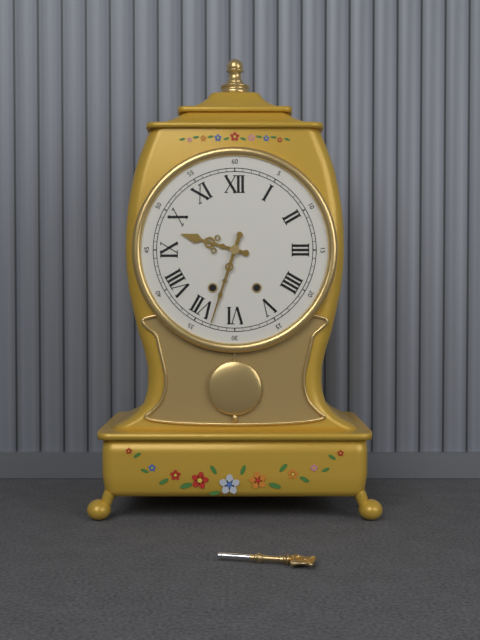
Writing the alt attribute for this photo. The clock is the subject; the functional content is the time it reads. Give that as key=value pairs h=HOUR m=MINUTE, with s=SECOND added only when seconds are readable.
h=9 m=33
